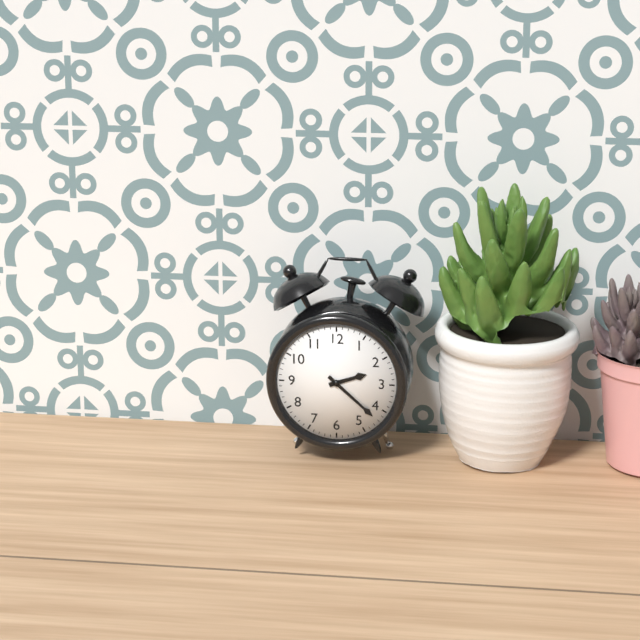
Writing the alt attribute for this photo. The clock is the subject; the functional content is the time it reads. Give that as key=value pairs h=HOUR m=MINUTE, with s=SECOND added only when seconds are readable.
h=2 m=22
